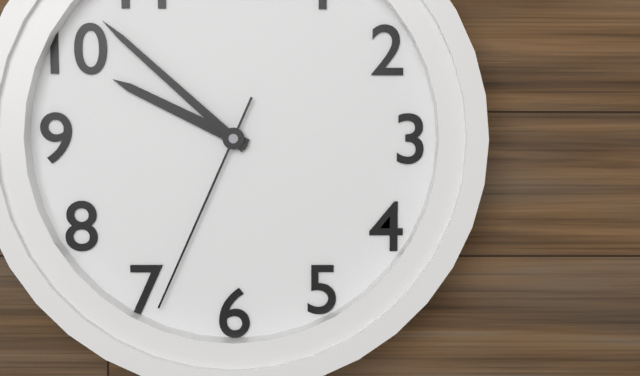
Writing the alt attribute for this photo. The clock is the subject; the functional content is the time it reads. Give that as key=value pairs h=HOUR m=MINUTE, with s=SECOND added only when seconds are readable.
h=9 m=52 s=34
